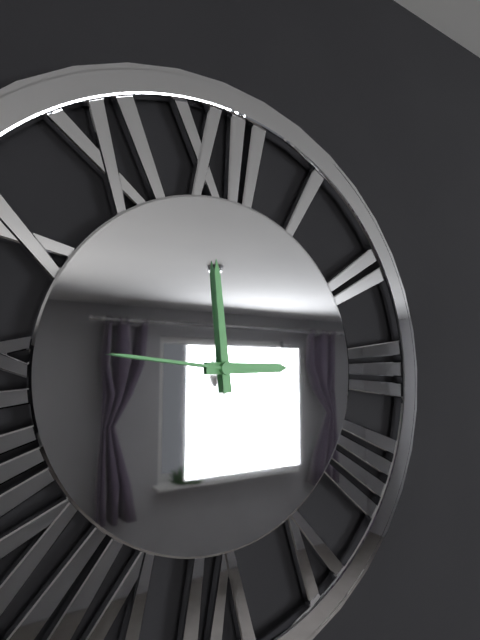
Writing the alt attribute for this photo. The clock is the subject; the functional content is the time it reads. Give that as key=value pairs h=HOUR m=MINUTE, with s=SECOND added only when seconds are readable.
h=2 m=59 s=46
